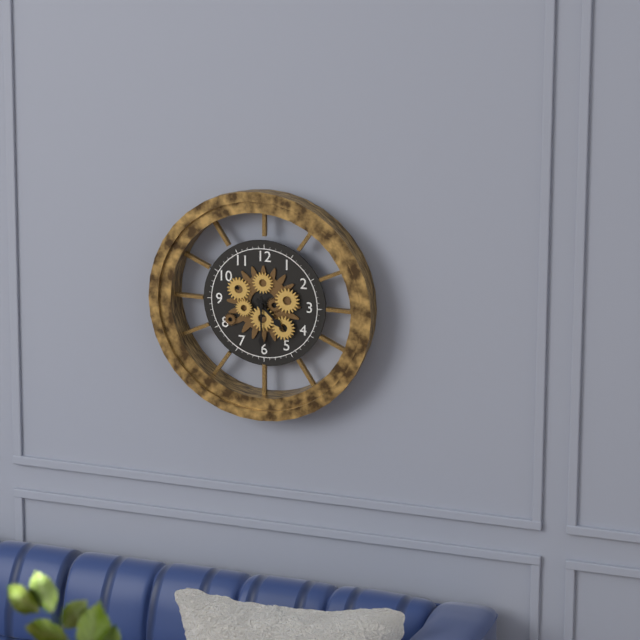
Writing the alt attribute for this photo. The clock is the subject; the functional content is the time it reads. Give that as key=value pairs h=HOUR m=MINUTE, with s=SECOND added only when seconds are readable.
h=4 m=30
